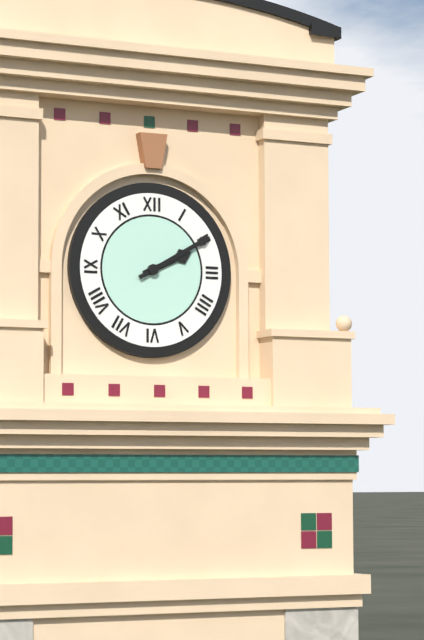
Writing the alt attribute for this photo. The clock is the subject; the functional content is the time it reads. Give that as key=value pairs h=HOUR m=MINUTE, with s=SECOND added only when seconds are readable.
h=2 m=10
